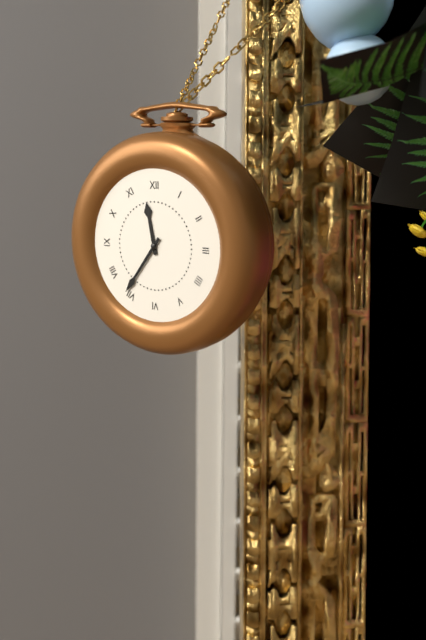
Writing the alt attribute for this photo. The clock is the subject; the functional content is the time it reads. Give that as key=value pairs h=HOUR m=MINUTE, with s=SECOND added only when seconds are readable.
h=11 m=36
